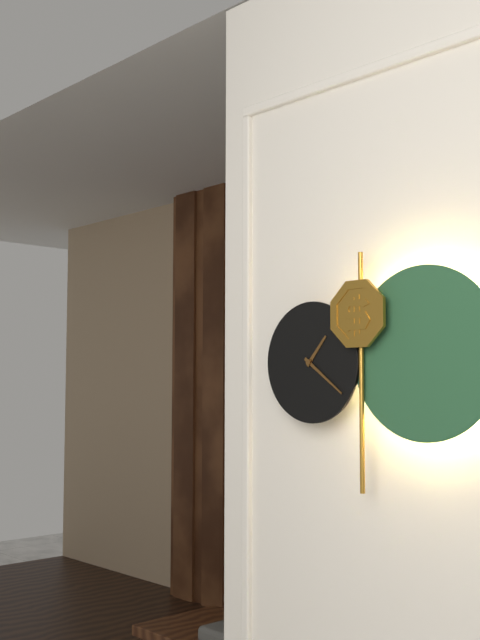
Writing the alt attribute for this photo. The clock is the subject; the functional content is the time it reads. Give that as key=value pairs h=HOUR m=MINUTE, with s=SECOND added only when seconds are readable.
h=1 m=21
